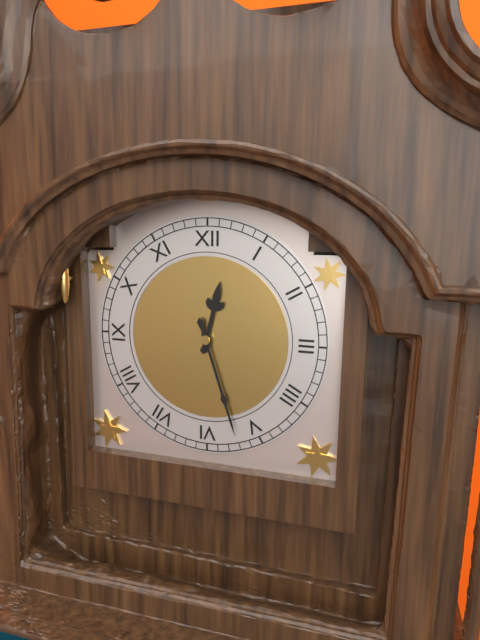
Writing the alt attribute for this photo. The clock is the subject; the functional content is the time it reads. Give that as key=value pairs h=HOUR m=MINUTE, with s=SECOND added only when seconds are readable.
h=12 m=27
